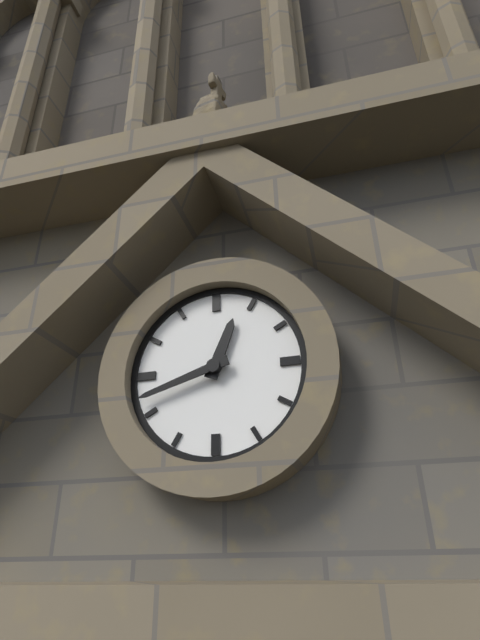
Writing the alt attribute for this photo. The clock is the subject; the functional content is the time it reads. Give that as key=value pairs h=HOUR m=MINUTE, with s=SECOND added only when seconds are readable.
h=12 m=42
